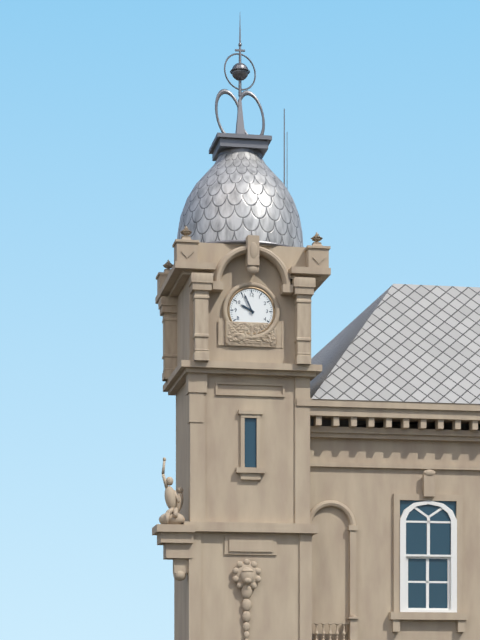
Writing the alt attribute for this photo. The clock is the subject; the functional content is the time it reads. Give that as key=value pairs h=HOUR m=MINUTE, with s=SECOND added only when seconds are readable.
h=9 m=56
